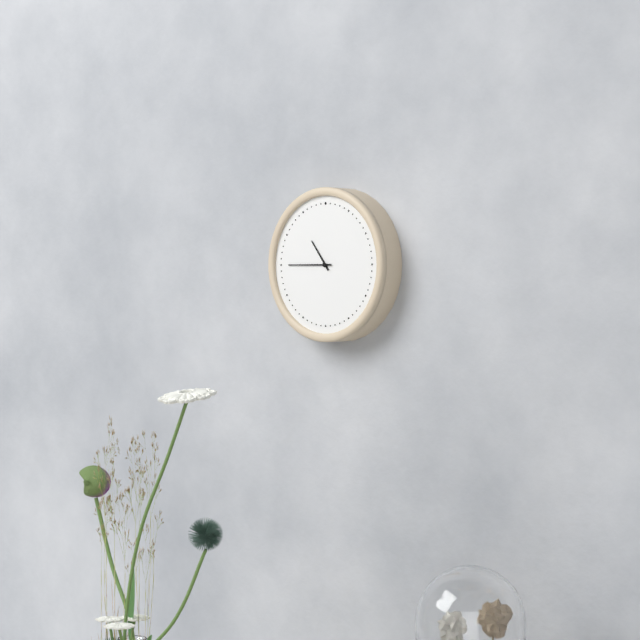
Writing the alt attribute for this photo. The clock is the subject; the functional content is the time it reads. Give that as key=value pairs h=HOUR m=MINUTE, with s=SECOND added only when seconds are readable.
h=10 m=45
